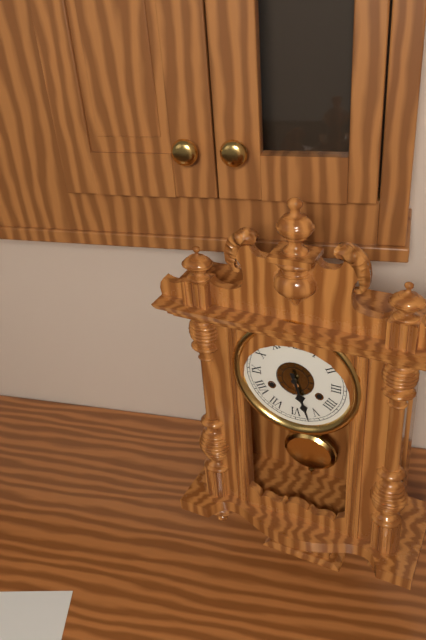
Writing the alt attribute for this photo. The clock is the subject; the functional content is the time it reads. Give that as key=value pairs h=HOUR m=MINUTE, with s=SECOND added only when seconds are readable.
h=5 m=27
